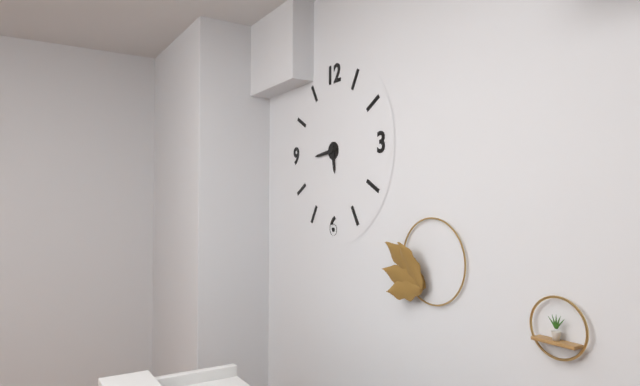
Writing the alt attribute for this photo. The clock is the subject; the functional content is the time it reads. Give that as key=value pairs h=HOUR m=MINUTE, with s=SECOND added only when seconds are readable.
h=5 m=44
